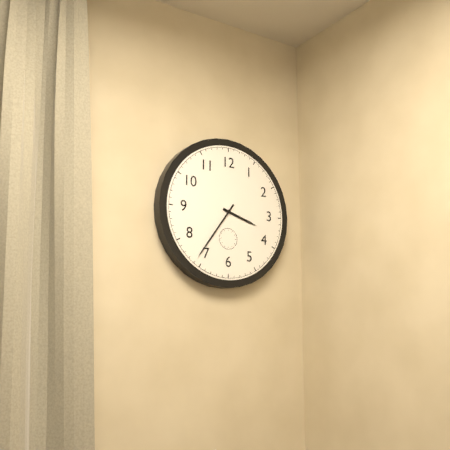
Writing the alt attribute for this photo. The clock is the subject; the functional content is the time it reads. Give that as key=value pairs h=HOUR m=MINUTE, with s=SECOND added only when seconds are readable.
h=3 m=36
